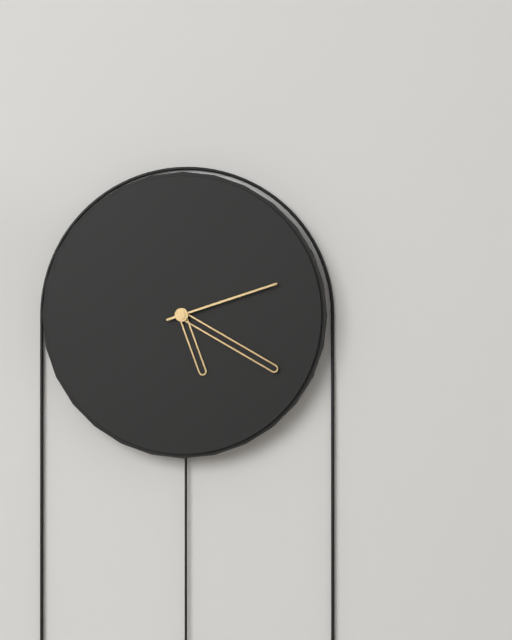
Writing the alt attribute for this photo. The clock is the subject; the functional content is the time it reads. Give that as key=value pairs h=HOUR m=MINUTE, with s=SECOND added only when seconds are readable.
h=5 m=20 s=12
